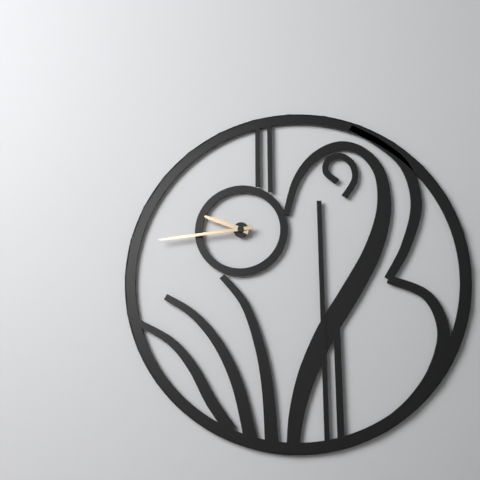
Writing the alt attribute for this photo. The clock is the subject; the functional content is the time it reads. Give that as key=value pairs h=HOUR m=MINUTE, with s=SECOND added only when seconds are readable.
h=9 m=44
